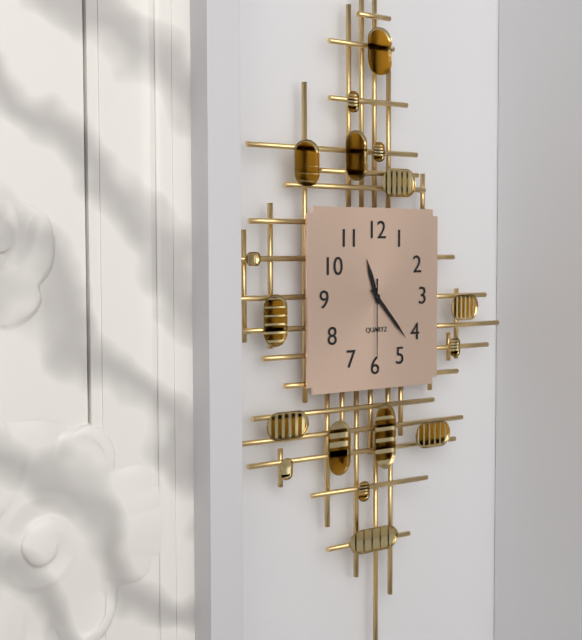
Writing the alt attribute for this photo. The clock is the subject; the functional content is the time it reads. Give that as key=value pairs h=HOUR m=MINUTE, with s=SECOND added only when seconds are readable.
h=11 m=23 s=30
